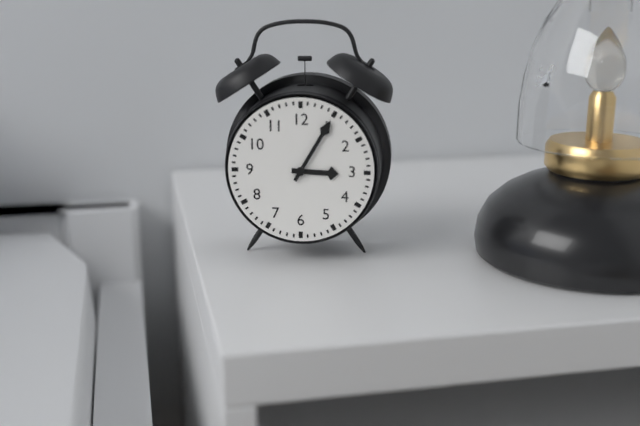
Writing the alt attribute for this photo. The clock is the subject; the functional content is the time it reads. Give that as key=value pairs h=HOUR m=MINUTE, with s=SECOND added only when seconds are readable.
h=3 m=5
